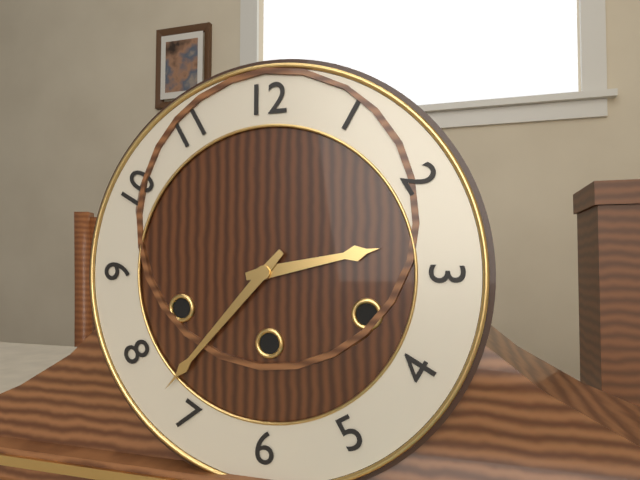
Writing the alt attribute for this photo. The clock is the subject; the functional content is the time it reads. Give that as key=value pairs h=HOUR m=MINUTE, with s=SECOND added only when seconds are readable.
h=2 m=37
